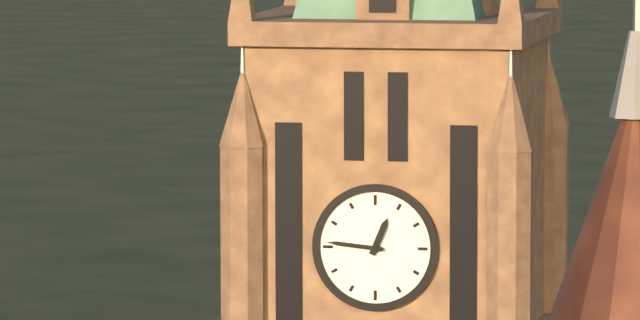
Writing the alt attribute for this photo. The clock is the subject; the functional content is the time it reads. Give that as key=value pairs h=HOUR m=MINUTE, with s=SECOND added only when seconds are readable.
h=12 m=46
